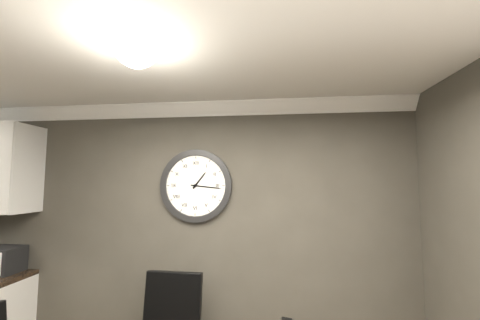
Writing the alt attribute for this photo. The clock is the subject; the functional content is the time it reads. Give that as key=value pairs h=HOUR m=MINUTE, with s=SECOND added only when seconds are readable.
h=1 m=16
